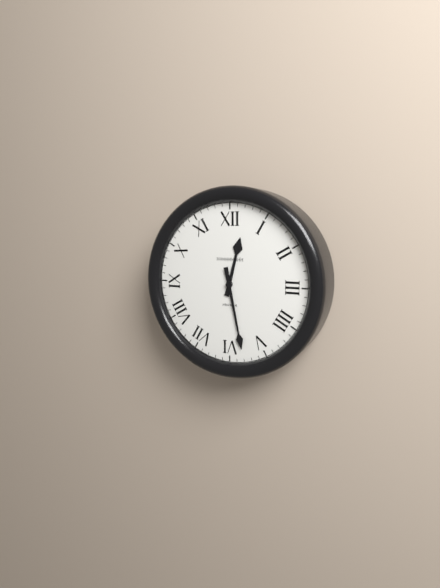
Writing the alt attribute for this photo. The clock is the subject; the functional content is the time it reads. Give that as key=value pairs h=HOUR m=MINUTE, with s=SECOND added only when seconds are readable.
h=12 m=28
